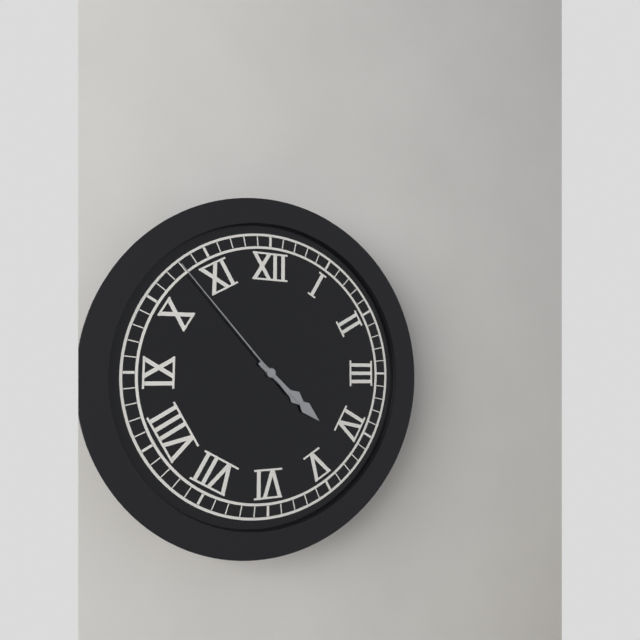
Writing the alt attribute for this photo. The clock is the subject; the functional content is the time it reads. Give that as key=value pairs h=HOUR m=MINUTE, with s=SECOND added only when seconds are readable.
h=4 m=22 s=53
